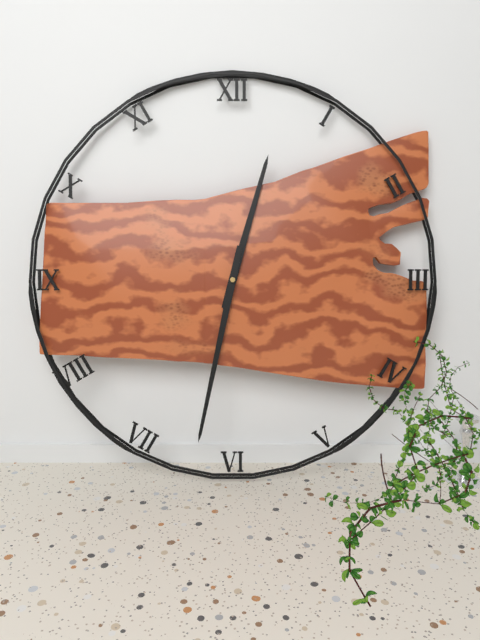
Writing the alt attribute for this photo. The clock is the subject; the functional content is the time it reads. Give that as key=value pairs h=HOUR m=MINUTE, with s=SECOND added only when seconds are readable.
h=12 m=32
